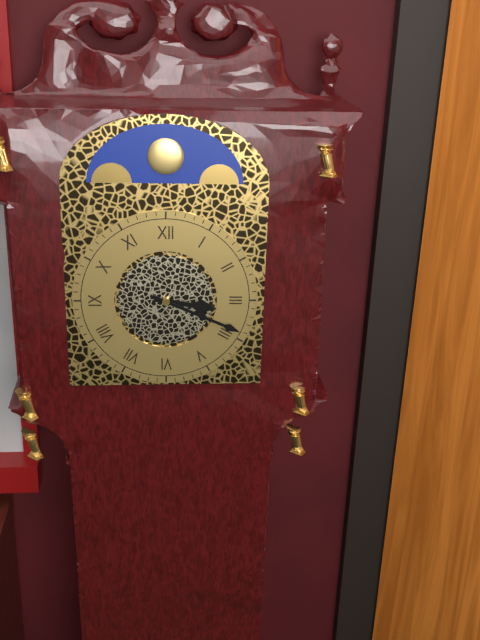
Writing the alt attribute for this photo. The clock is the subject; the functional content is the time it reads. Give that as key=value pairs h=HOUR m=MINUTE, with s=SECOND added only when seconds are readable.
h=3 m=19
